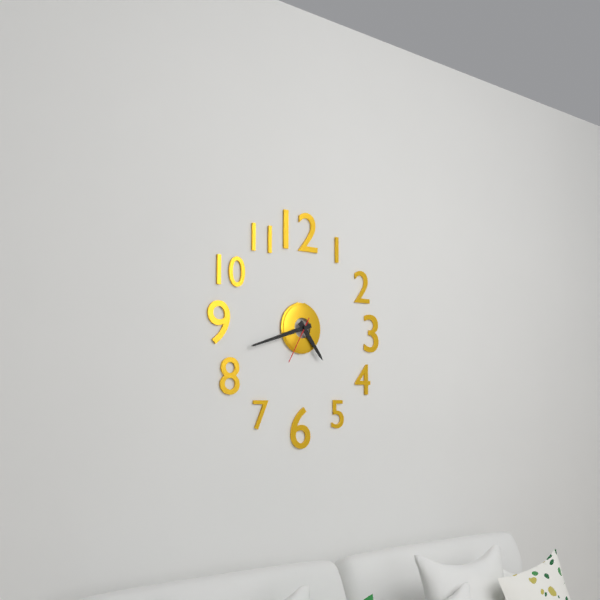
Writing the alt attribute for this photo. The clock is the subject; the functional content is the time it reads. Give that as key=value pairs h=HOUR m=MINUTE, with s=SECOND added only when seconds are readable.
h=4 m=42
